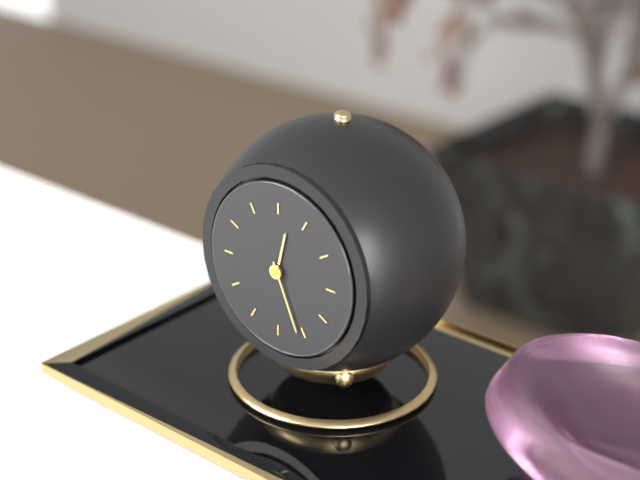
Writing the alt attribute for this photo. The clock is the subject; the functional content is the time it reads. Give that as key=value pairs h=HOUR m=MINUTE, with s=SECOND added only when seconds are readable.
h=12 m=26
